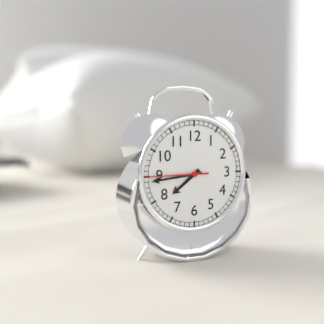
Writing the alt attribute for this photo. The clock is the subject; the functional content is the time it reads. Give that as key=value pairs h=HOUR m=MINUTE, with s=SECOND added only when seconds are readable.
h=7 m=44 s=45
